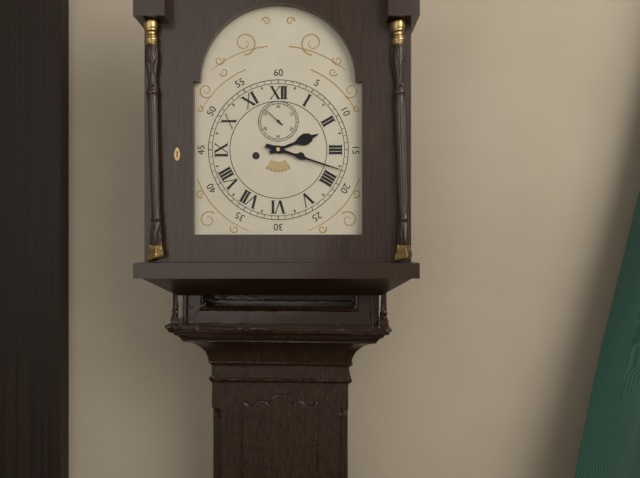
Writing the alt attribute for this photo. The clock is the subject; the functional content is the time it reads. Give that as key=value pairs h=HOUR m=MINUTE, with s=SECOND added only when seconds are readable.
h=2 m=18
